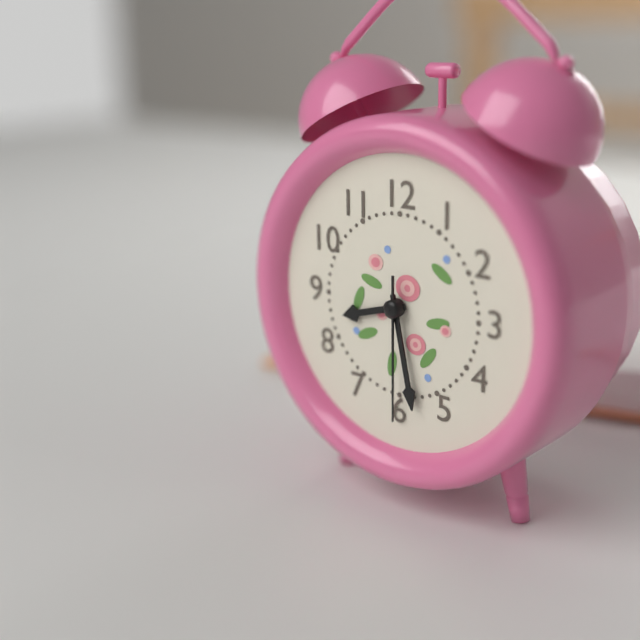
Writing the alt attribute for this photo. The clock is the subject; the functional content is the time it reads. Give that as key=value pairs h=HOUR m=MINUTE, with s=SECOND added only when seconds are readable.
h=8 m=28 s=30
